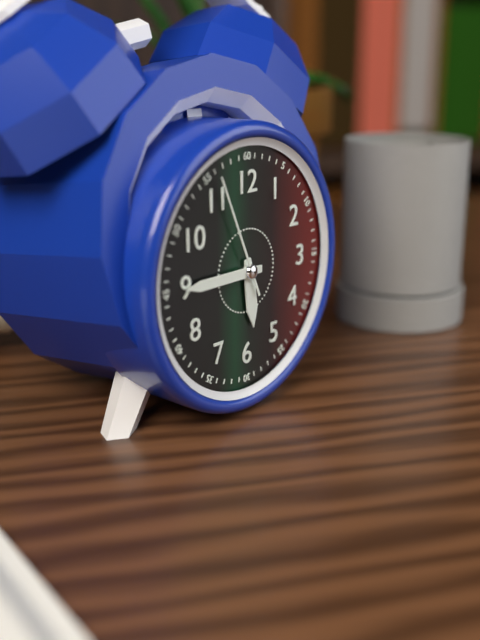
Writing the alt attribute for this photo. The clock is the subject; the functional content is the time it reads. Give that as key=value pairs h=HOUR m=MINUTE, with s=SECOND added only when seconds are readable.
h=5 m=45 s=56
